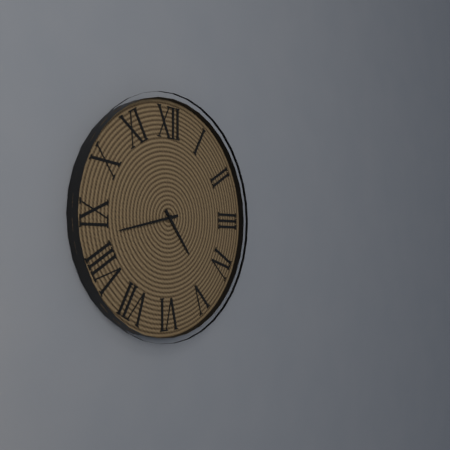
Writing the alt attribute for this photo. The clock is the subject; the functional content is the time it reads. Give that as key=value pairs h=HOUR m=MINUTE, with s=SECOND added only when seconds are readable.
h=4 m=43
